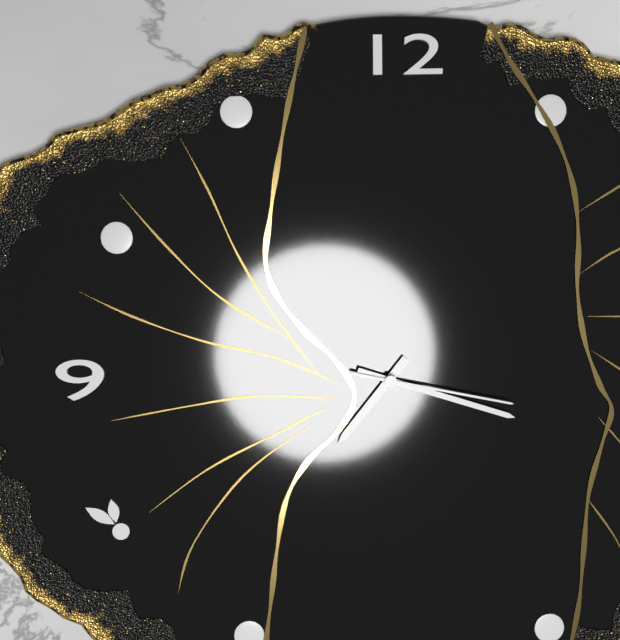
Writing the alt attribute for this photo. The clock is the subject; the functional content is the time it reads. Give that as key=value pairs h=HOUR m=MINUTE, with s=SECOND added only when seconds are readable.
h=7 m=18 s=17
